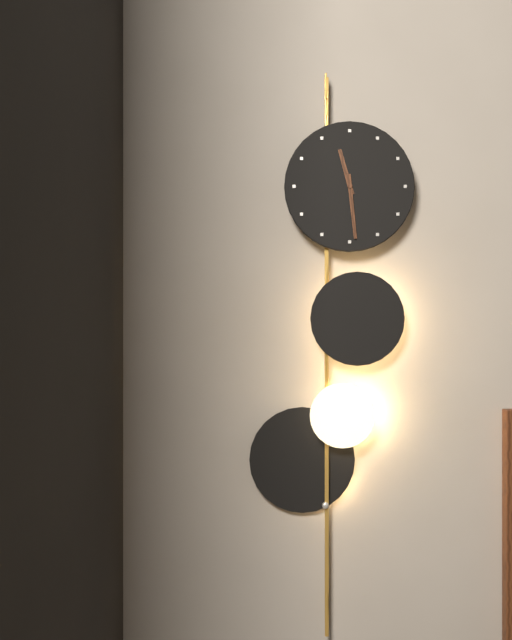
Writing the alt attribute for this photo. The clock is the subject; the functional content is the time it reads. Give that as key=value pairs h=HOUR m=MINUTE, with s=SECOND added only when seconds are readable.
h=11 m=29
